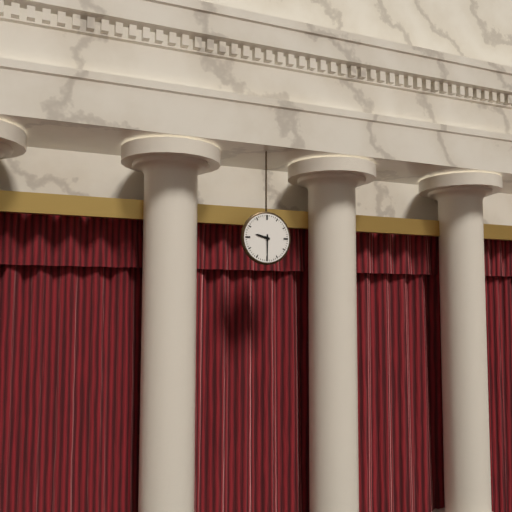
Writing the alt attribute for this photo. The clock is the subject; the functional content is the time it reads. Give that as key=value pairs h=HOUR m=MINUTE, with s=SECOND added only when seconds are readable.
h=9 m=30
